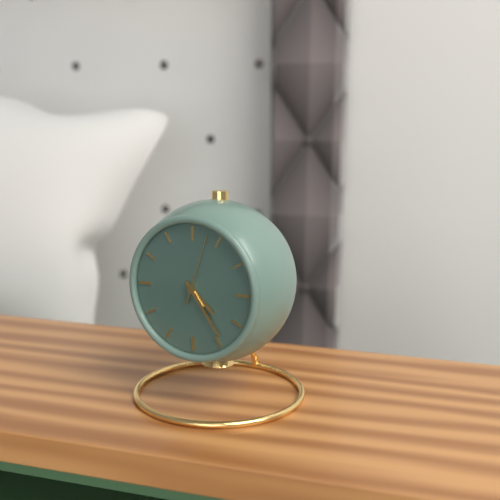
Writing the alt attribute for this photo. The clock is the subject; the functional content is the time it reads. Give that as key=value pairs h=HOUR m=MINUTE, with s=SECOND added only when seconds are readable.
h=4 m=24 s=3
